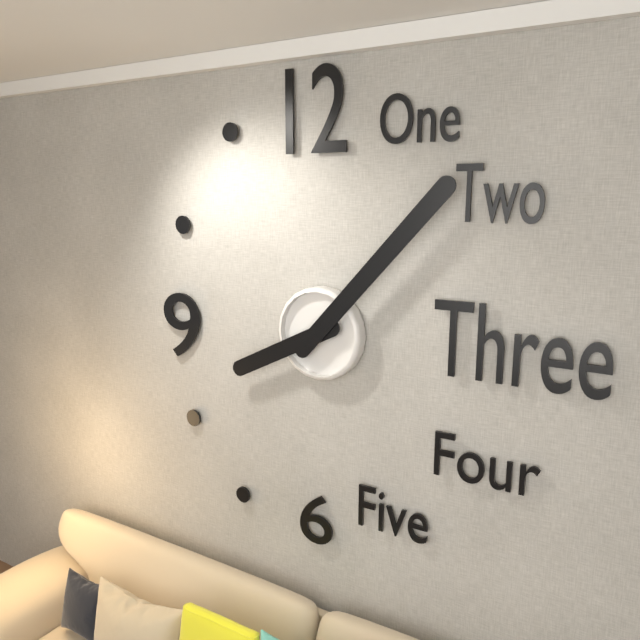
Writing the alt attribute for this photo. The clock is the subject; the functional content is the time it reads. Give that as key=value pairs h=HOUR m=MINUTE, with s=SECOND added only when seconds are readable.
h=8 m=7
